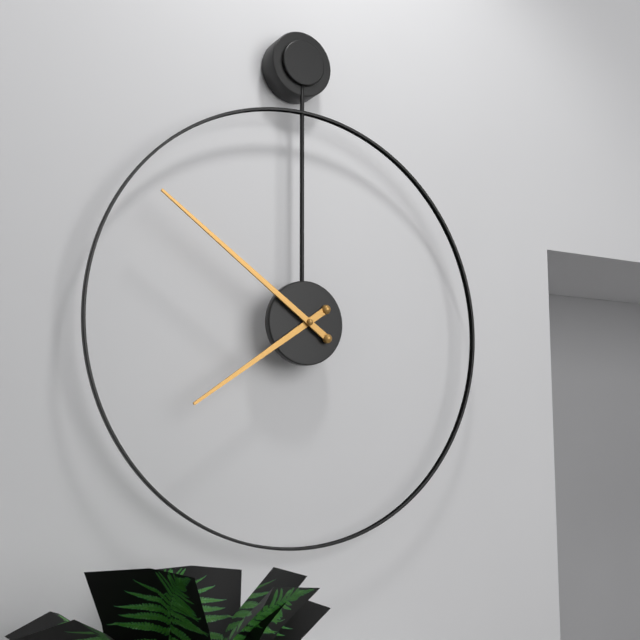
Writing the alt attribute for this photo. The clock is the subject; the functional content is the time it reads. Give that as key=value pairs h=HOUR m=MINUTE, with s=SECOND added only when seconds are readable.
h=7 m=51
